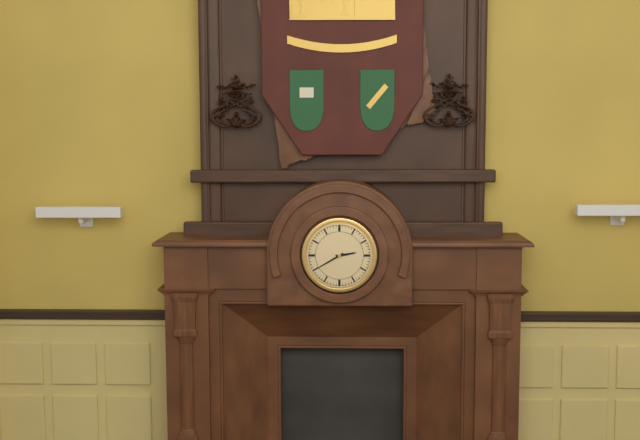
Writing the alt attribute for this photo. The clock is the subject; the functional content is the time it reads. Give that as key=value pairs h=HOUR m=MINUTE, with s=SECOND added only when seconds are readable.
h=2 m=40
